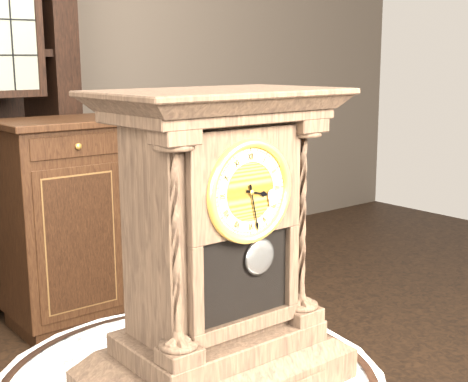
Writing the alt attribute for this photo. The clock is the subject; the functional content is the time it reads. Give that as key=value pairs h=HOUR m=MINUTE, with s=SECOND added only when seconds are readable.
h=3 m=28
